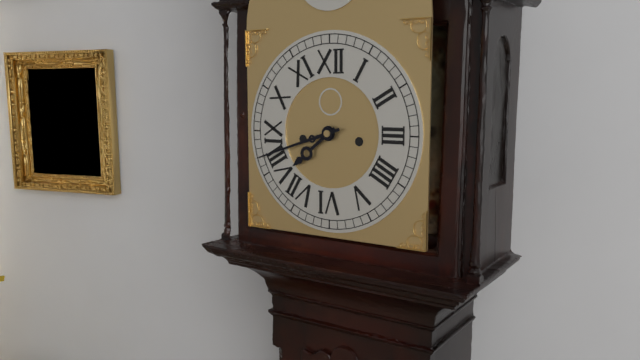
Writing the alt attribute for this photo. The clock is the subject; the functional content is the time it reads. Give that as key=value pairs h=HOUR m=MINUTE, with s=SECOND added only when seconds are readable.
h=7 m=42
